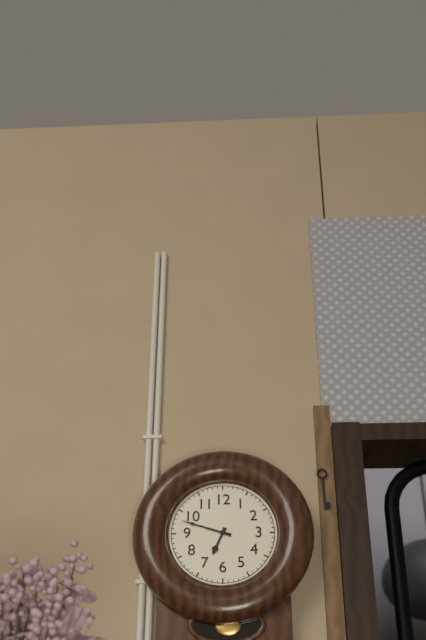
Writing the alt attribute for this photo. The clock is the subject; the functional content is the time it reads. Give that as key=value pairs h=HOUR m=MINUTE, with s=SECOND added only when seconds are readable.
h=6 m=48
